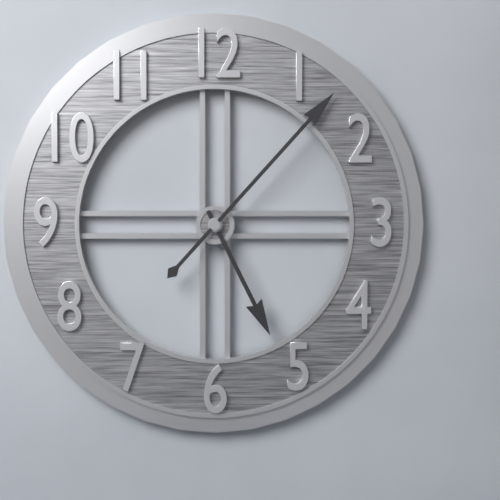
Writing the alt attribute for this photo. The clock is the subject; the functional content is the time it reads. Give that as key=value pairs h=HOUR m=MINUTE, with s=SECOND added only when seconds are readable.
h=5 m=7
